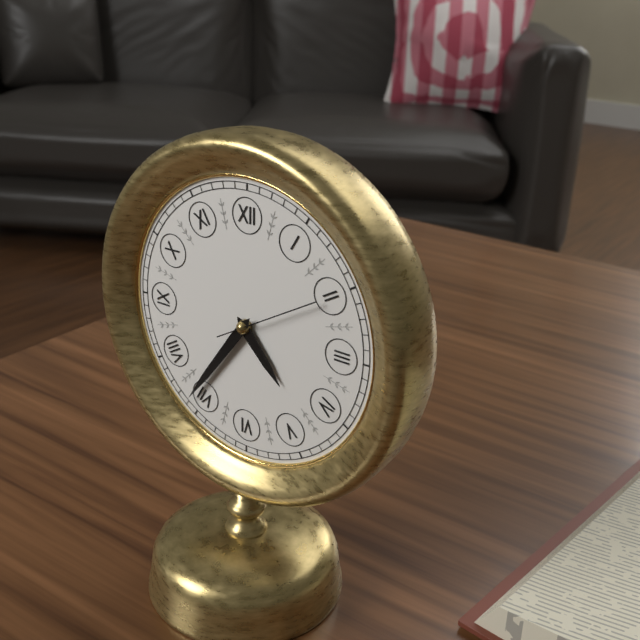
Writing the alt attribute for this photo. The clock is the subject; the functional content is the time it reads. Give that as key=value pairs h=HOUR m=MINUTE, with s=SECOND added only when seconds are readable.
h=4 m=36 s=10
